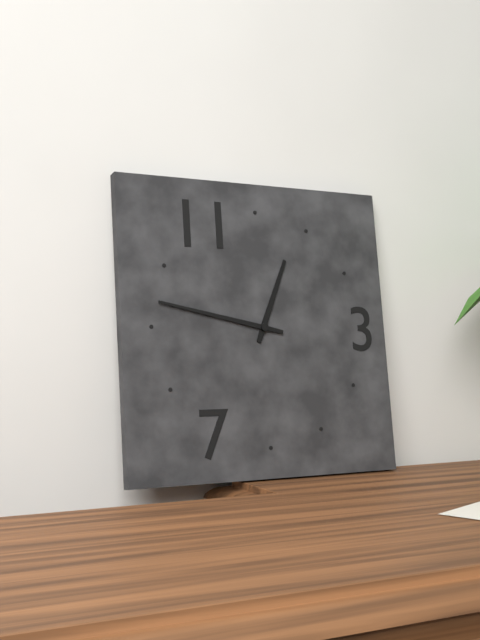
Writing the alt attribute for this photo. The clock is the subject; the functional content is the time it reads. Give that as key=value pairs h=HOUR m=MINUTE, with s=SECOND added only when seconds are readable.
h=12 m=47
